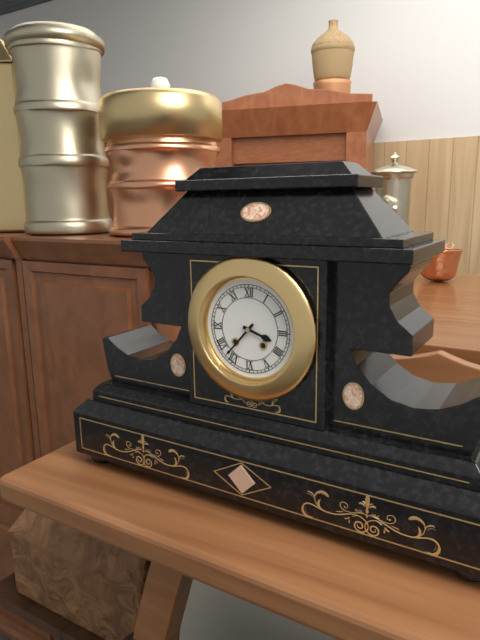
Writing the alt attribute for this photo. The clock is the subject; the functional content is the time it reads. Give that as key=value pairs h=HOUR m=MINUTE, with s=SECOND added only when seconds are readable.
h=3 m=37
